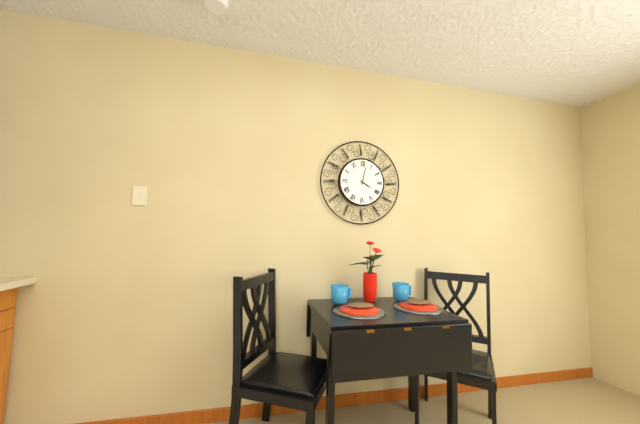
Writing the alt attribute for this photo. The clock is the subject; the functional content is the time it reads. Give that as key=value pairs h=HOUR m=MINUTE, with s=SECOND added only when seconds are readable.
h=4 m=2
